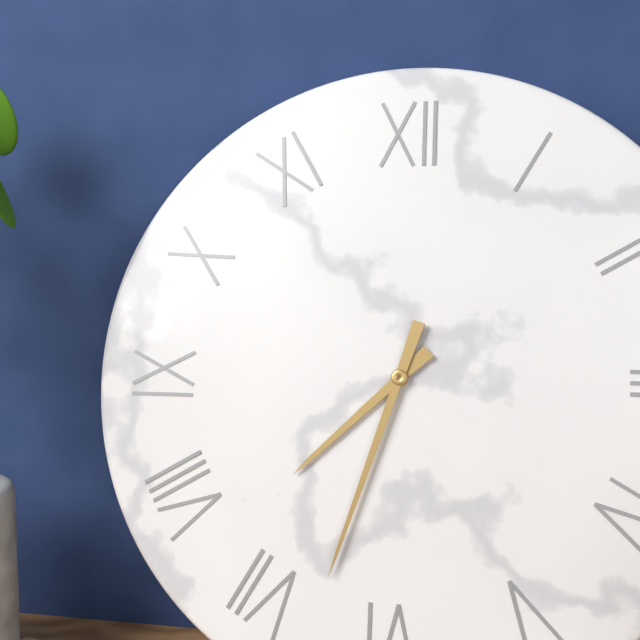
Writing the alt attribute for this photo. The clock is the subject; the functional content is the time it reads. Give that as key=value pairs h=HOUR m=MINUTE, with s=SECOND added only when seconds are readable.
h=7 m=33
